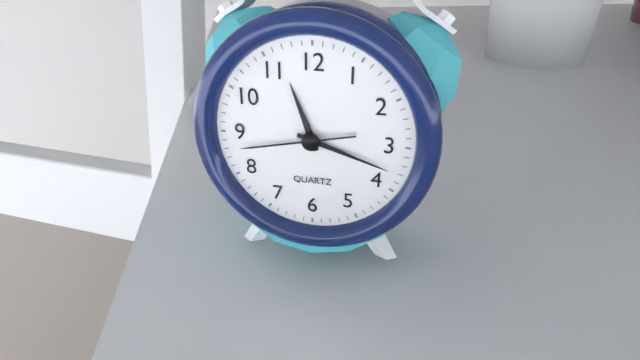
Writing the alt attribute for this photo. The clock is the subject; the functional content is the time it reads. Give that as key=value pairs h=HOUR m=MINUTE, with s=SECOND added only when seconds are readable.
h=11 m=18 s=43
